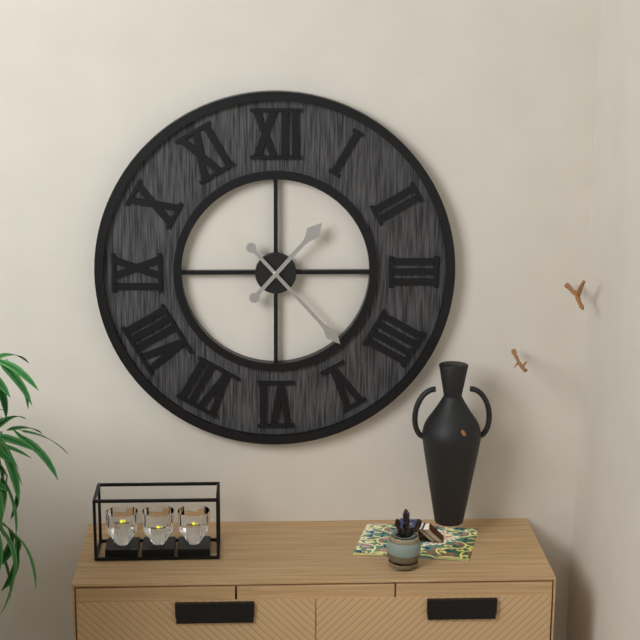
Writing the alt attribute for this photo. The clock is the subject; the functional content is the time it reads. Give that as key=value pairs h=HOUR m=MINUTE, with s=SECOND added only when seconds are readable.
h=1 m=23
